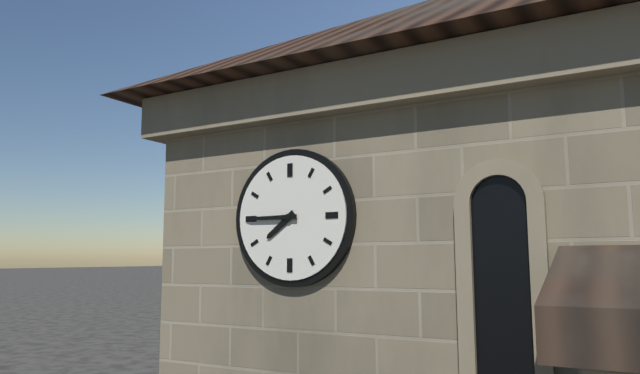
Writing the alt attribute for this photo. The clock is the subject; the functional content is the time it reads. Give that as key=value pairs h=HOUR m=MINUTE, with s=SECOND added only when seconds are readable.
h=7 m=45
